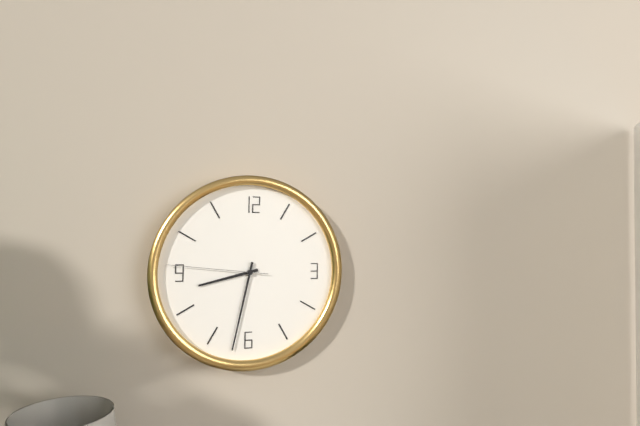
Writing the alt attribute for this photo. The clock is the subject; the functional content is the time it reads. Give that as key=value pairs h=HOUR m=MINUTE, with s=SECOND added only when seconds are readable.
h=8 m=32 s=46
